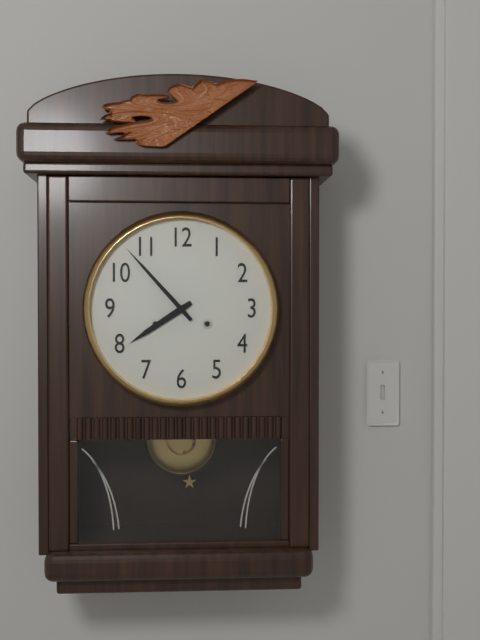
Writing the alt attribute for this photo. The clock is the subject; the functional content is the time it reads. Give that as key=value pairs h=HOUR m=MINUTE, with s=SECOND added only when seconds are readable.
h=7 m=53
